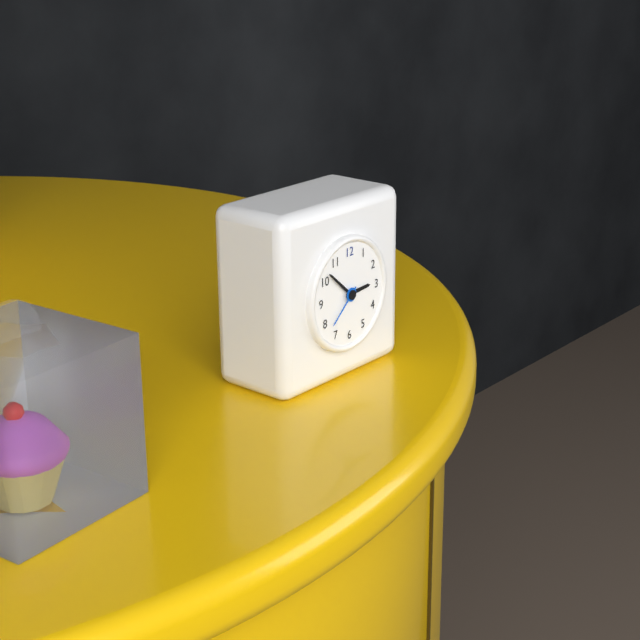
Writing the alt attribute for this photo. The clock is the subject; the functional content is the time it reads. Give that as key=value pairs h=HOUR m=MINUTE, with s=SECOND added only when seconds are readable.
h=2 m=52
